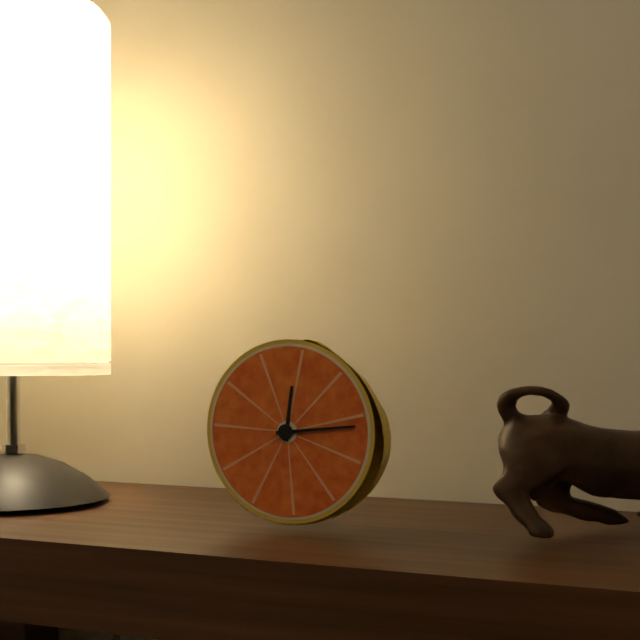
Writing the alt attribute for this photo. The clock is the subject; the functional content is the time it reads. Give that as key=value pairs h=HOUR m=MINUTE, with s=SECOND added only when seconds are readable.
h=12 m=14
